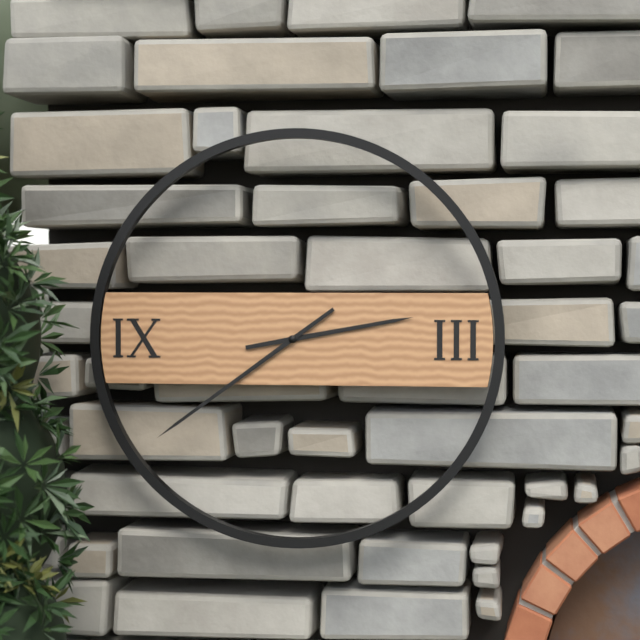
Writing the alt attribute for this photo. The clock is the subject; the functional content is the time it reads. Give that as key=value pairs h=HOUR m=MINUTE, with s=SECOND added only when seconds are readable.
h=2 m=39
